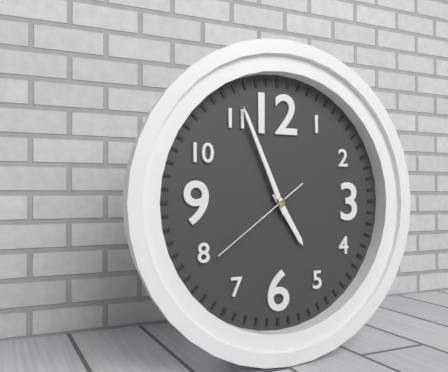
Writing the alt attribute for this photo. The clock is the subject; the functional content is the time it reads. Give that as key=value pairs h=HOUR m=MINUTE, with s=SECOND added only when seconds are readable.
h=4 m=56 s=39
